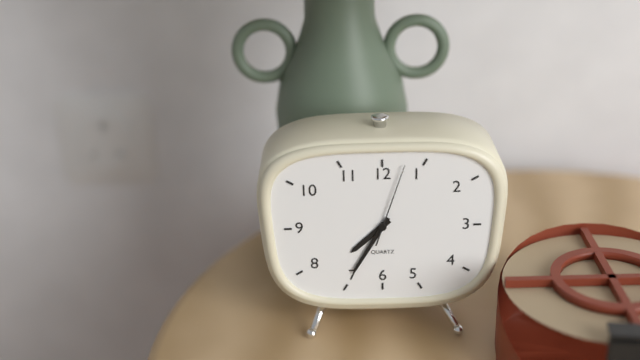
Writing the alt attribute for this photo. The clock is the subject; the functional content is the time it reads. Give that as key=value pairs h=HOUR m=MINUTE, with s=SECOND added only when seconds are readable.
h=7 m=35 s=3
